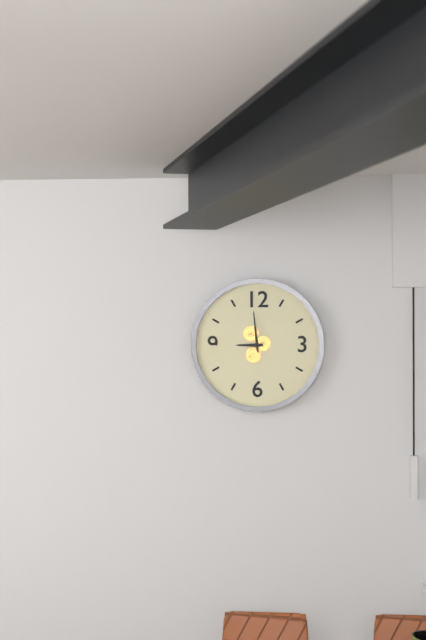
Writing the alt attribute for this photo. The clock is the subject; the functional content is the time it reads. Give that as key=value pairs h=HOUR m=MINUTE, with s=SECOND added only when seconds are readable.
h=8 m=59
